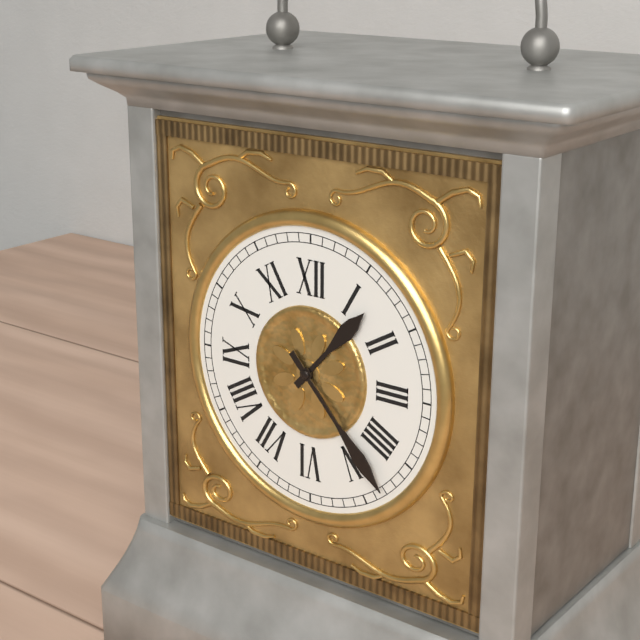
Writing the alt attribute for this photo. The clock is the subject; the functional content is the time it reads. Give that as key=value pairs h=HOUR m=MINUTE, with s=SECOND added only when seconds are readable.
h=1 m=23
